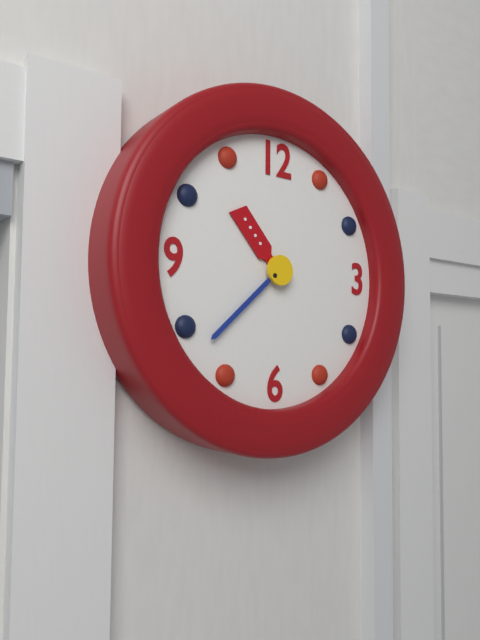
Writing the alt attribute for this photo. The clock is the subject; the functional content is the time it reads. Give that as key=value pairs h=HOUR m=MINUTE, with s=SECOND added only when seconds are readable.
h=10 m=38
